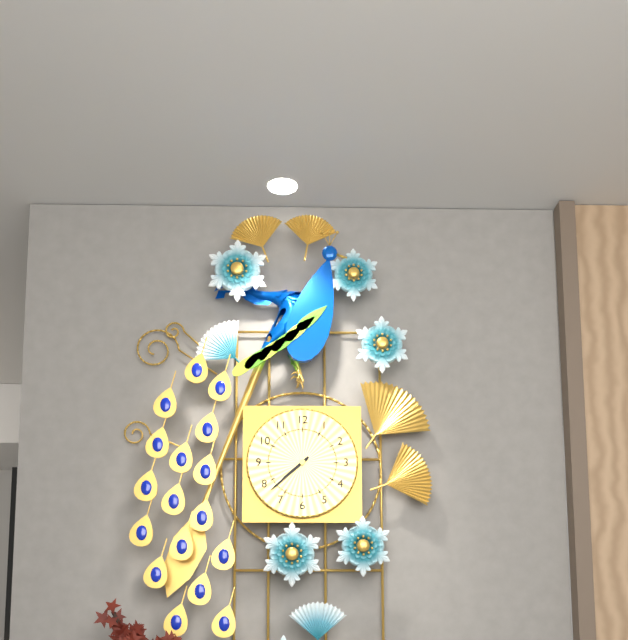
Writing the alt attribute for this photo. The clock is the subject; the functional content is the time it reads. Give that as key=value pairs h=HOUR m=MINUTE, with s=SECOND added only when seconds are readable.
h=7 m=38
